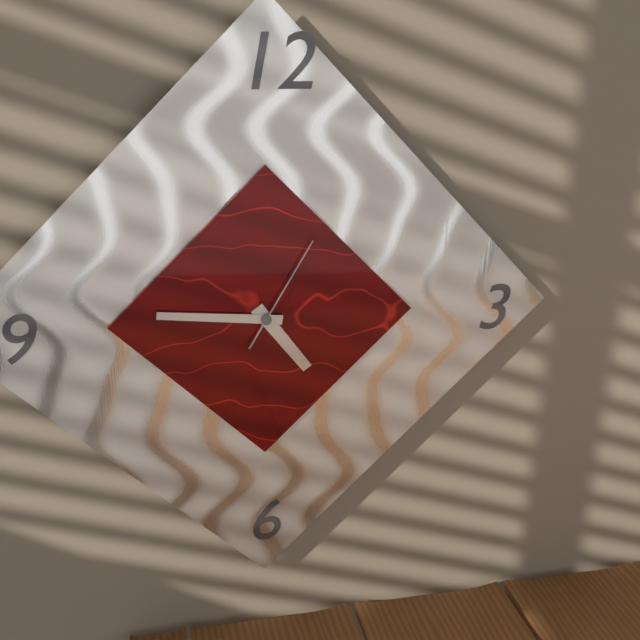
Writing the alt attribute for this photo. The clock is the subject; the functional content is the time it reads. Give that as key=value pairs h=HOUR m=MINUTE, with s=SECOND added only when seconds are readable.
h=4 m=46 s=5
